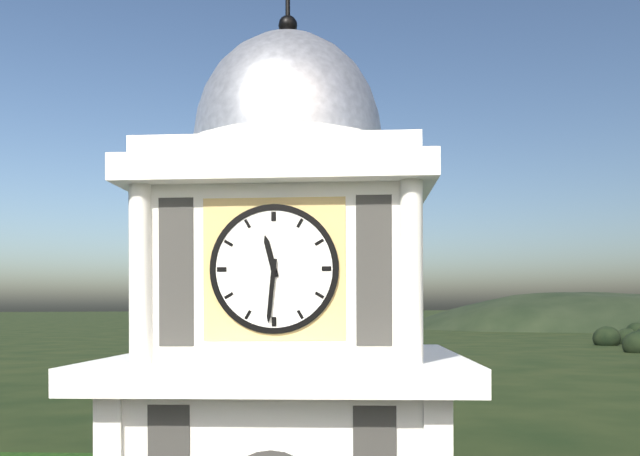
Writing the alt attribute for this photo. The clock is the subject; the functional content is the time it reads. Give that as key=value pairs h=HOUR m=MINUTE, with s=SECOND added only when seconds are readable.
h=11 m=31
